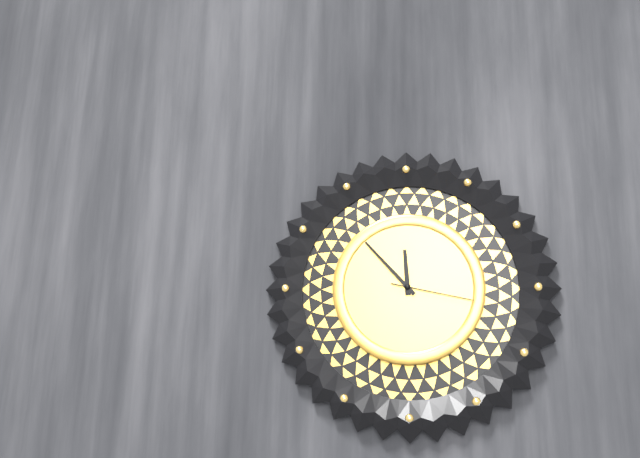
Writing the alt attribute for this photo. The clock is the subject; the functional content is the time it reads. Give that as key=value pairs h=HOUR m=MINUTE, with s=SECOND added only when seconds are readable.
h=11 m=53 s=17
